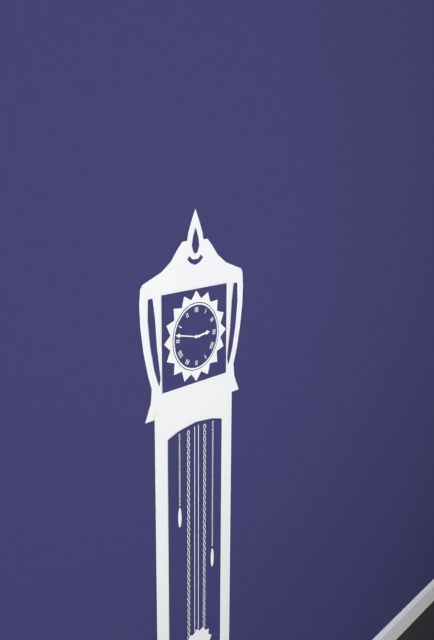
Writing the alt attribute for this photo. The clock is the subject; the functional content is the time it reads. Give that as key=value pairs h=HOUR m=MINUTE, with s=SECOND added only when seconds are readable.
h=2 m=47
